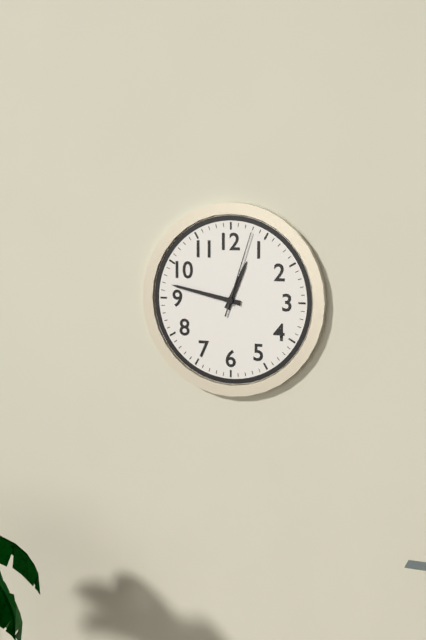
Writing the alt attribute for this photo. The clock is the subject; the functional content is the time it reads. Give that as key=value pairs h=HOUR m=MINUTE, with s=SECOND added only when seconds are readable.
h=12 m=47 s=3
